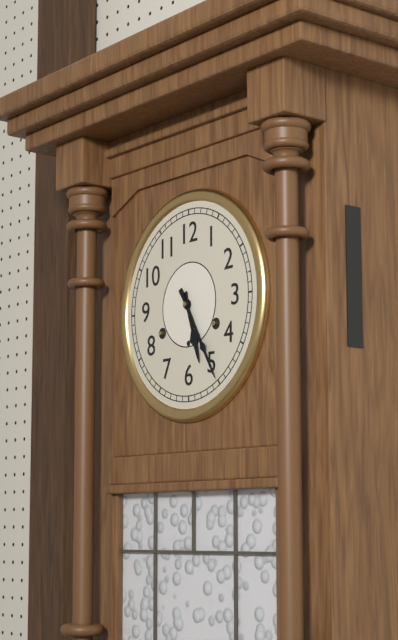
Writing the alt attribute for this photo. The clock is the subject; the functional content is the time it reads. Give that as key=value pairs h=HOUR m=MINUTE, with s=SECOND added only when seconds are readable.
h=5 m=25
